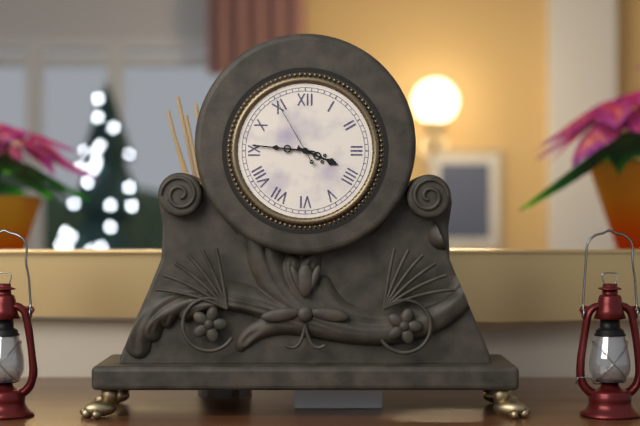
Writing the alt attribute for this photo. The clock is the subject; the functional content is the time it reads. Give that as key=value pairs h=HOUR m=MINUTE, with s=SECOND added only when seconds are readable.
h=3 m=46 s=55
